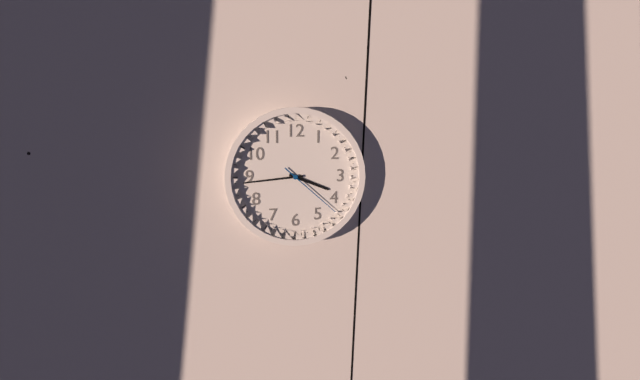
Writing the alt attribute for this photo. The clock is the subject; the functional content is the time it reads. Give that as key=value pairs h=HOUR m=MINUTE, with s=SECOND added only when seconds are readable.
h=3 m=44 s=22
